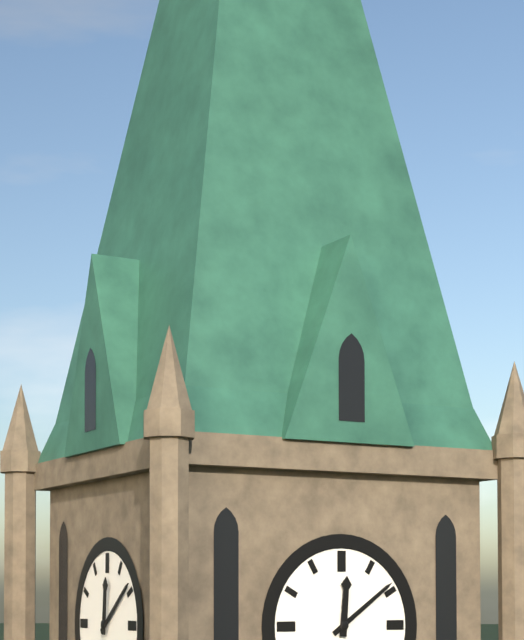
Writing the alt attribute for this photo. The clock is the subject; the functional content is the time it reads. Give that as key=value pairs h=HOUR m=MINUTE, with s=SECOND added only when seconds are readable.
h=12 m=9
